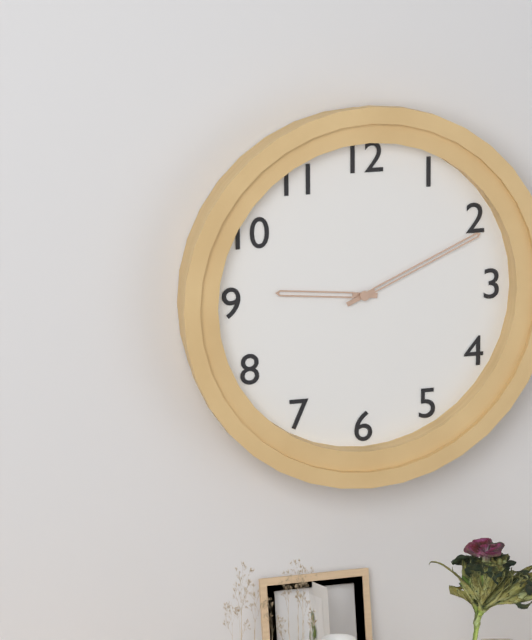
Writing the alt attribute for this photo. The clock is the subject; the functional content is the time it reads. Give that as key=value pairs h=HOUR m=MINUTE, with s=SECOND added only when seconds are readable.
h=9 m=11
